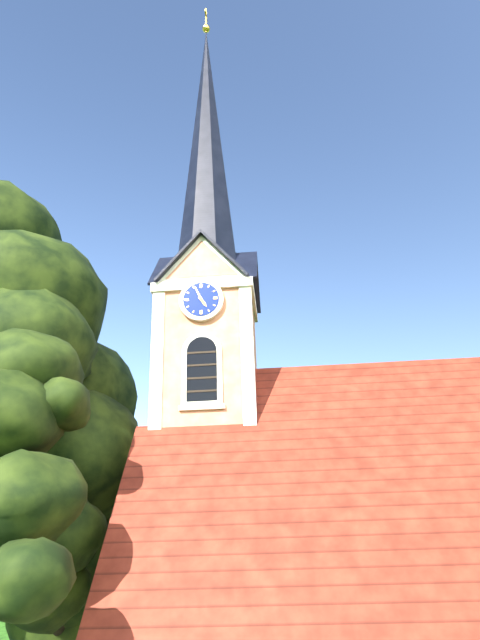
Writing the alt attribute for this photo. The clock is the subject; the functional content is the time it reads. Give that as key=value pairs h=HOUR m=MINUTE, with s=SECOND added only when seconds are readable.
h=4 m=56
